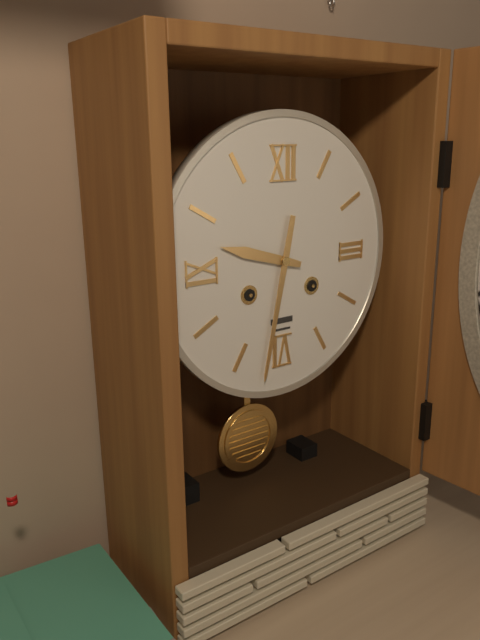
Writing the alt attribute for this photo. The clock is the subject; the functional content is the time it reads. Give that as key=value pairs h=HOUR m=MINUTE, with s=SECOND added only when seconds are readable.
h=9 m=32
